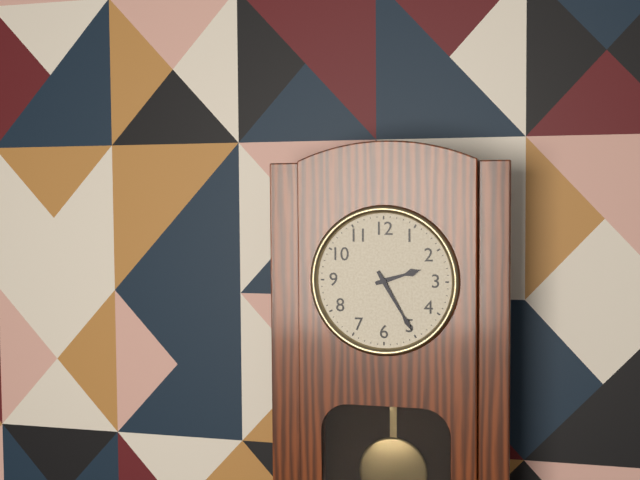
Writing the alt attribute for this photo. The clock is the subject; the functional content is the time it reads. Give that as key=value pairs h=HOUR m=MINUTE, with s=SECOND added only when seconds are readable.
h=2 m=25
